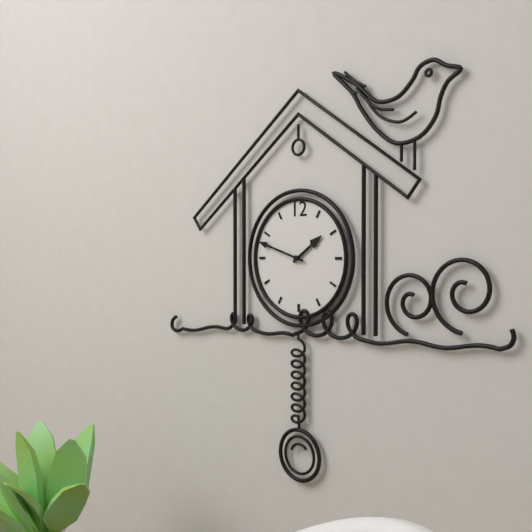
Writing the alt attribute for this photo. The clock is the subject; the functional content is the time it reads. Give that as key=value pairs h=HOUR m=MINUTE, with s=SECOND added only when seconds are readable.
h=1 m=48
